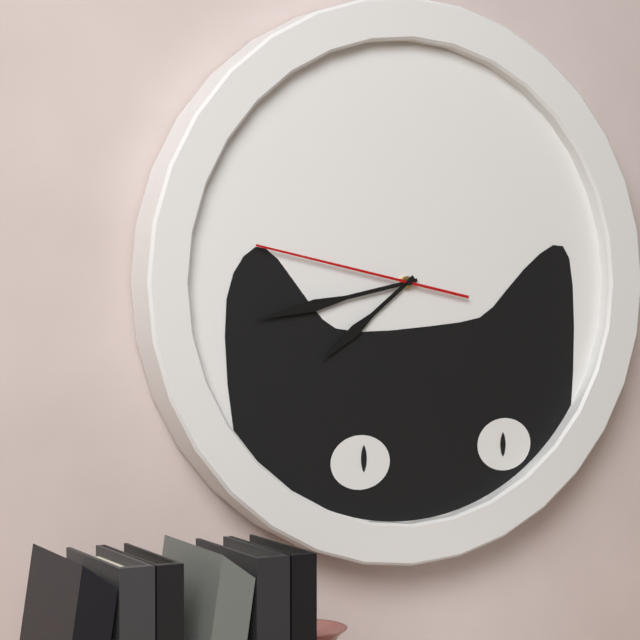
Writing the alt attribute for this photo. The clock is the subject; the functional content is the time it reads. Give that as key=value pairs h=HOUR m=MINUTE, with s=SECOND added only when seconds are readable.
h=7 m=43 s=47
